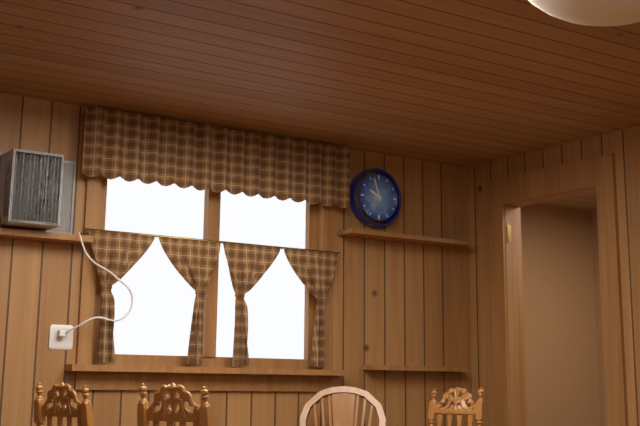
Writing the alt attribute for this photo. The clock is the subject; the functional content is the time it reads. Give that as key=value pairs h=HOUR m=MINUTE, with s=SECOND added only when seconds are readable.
h=9 m=57
